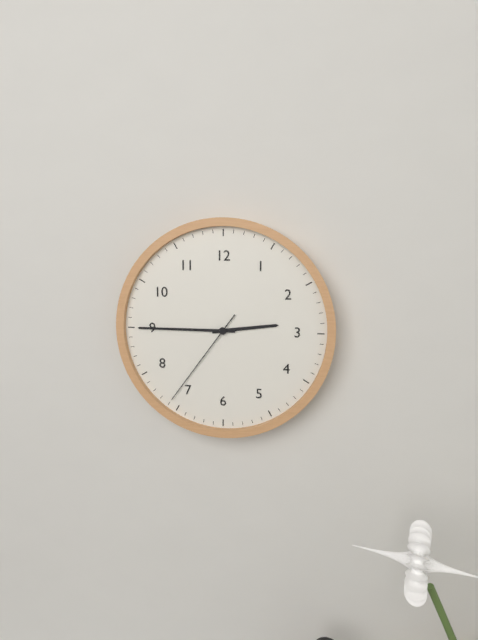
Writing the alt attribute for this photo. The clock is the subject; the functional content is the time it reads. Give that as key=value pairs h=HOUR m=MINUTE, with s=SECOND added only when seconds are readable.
h=2 m=45 s=36
